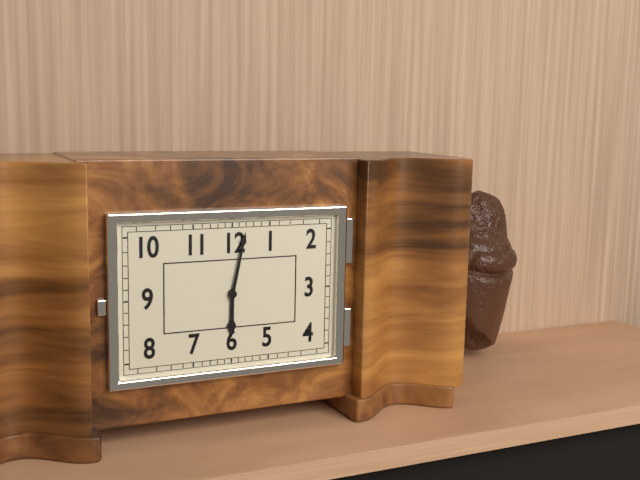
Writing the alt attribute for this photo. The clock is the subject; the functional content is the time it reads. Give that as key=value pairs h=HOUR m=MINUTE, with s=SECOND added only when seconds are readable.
h=6 m=2
